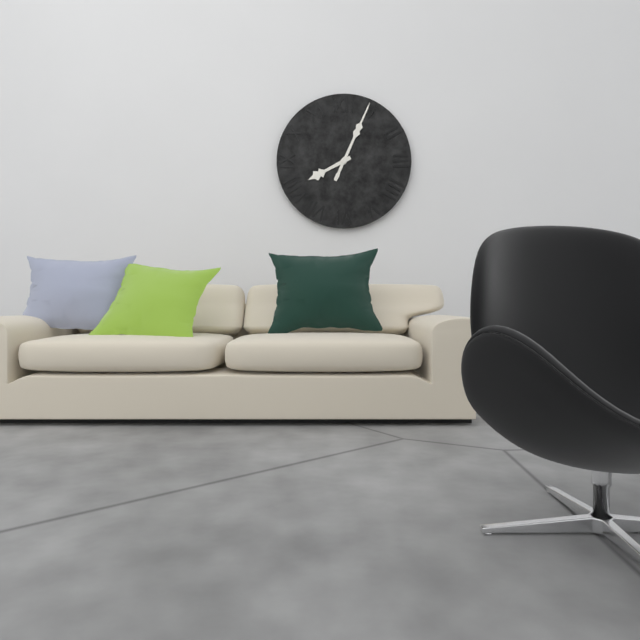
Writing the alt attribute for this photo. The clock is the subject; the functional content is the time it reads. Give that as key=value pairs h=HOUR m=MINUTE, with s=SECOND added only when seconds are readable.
h=8 m=4
